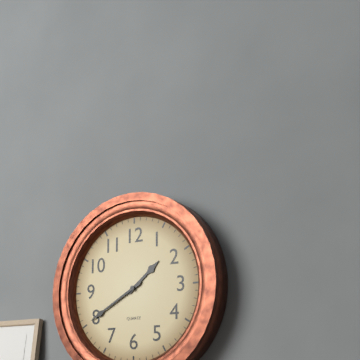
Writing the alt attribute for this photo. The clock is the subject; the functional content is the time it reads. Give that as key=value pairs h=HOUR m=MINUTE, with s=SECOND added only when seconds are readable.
h=1 m=40
